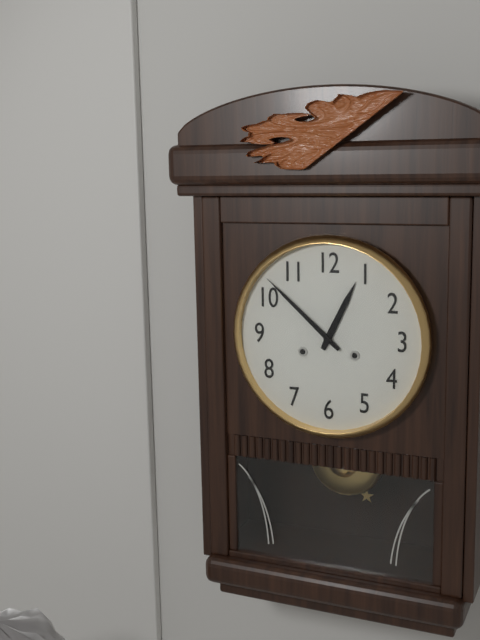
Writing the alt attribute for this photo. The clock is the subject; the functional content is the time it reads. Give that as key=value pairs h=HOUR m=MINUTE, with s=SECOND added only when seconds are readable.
h=12 m=52
